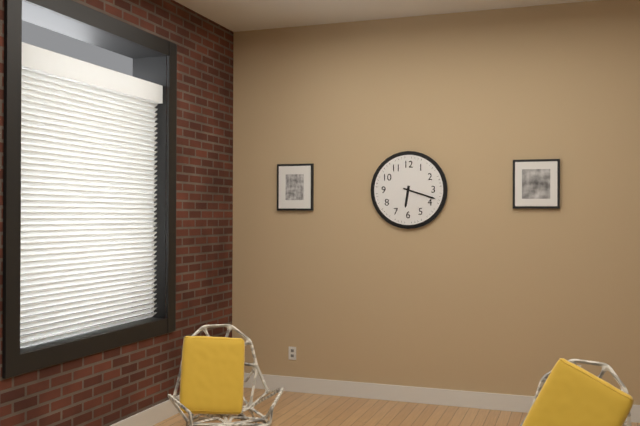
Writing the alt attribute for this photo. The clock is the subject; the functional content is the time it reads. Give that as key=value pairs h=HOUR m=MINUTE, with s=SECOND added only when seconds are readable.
h=6 m=18
